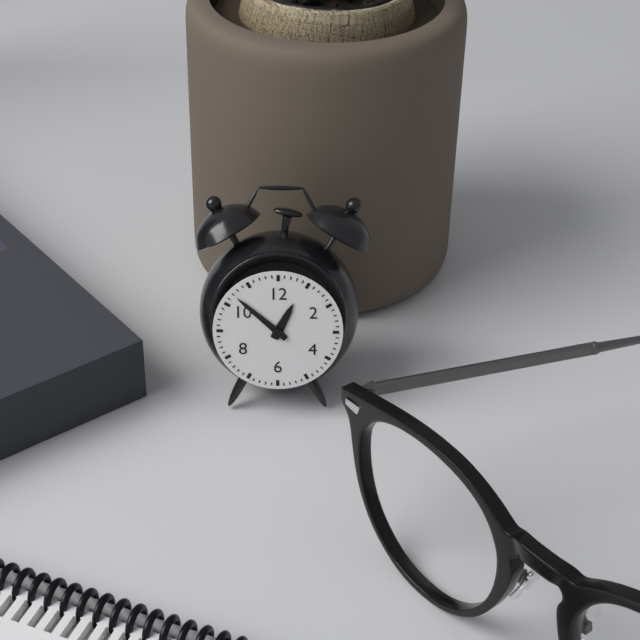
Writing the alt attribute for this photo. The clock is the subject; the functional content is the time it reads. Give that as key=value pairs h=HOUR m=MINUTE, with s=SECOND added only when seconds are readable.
h=12 m=52
